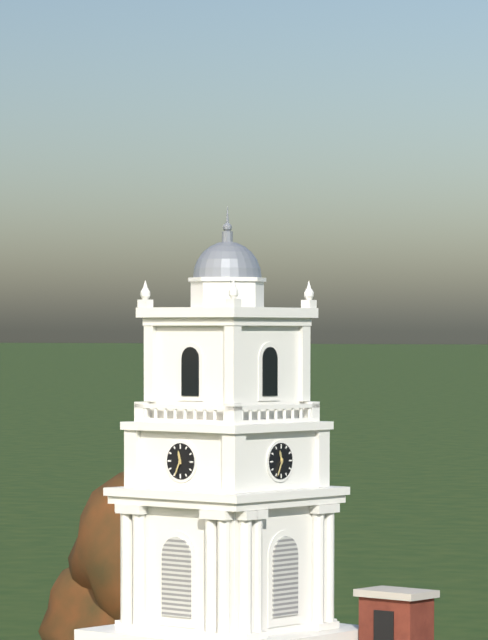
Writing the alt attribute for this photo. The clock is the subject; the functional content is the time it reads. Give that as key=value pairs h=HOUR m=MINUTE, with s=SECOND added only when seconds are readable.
h=11 m=34
